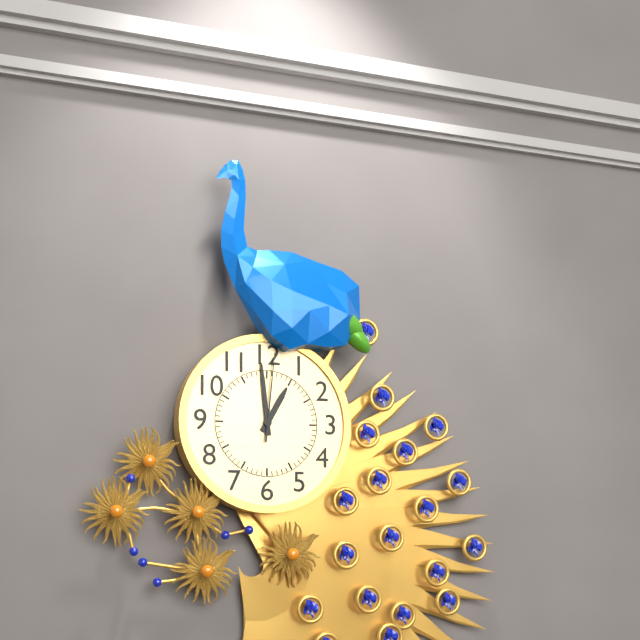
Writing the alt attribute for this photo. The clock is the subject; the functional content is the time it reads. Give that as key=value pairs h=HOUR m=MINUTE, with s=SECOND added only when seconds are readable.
h=12 m=59 s=1
